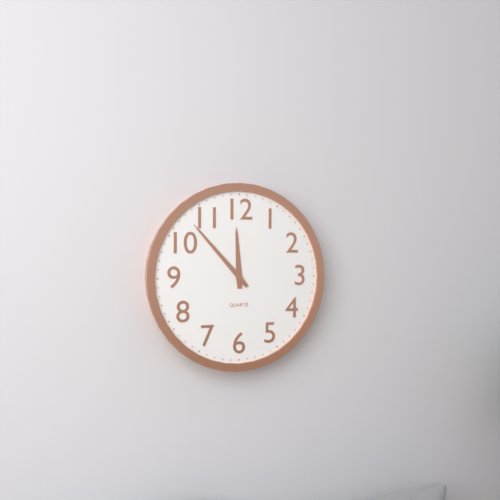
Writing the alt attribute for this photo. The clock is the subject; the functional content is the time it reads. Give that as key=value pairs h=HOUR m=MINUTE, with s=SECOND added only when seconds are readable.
h=11 m=53
